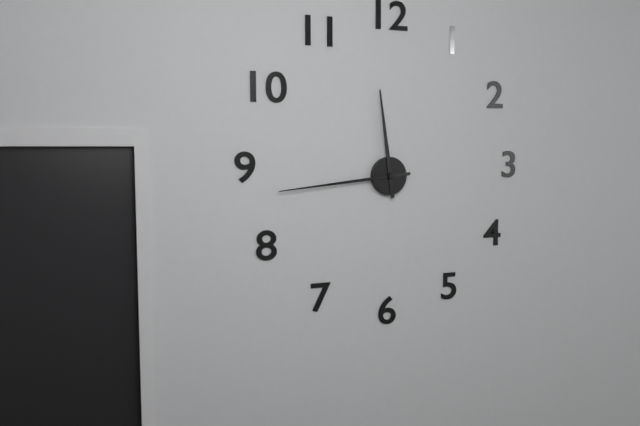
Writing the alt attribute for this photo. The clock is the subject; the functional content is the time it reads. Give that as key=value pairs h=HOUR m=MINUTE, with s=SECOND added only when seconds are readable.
h=11 m=44
